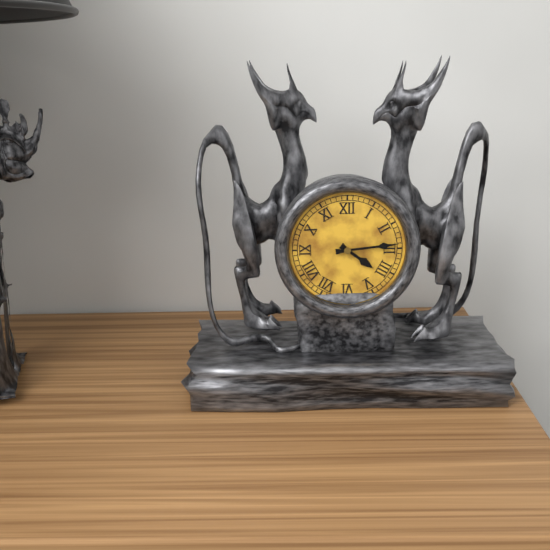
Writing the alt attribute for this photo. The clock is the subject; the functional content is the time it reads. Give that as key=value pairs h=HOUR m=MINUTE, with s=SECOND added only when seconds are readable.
h=4 m=14
